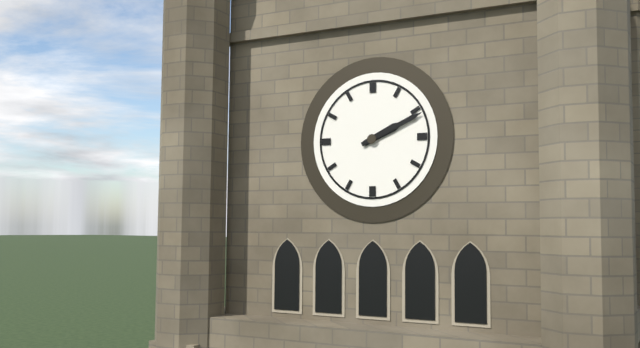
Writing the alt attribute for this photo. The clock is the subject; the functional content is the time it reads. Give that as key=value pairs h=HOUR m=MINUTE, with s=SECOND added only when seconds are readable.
h=2 m=11
